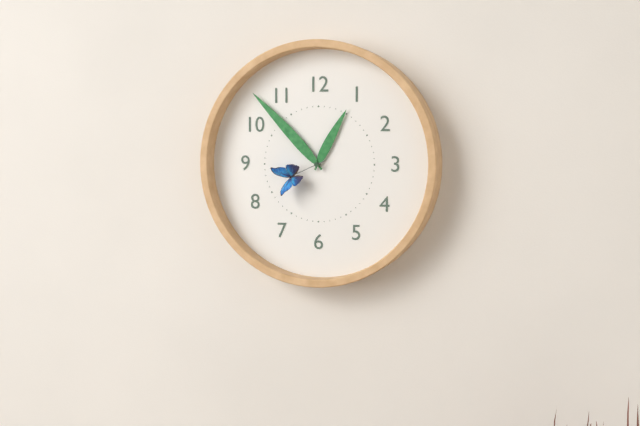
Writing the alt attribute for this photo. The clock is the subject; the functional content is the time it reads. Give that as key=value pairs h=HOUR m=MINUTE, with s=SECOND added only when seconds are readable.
h=12 m=53 s=41
